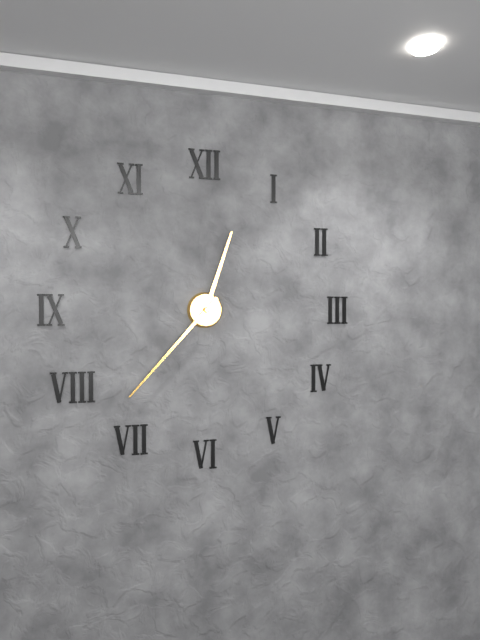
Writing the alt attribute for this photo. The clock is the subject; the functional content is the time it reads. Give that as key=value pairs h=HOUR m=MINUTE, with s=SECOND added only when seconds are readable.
h=12 m=37
